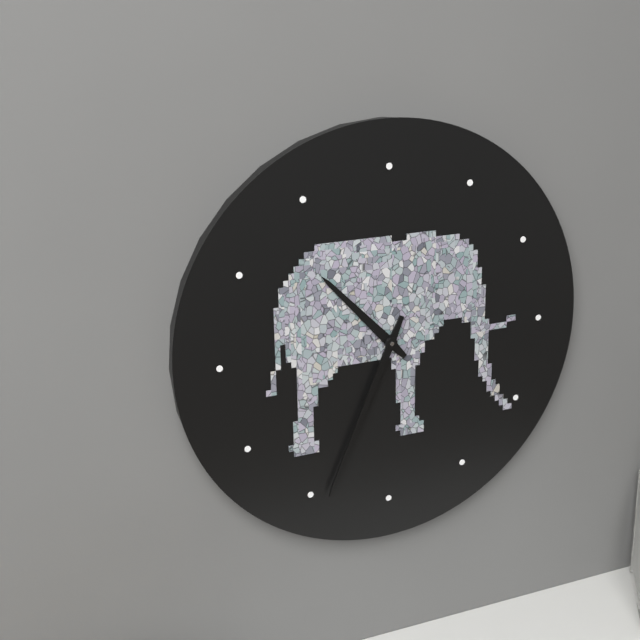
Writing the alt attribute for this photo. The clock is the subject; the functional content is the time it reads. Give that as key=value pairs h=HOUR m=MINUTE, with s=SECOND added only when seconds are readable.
h=10 m=34
